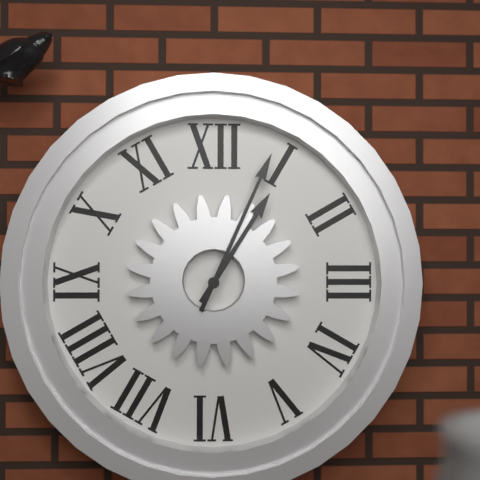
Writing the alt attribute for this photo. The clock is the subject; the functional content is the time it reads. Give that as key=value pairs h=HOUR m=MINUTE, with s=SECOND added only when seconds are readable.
h=1 m=4
